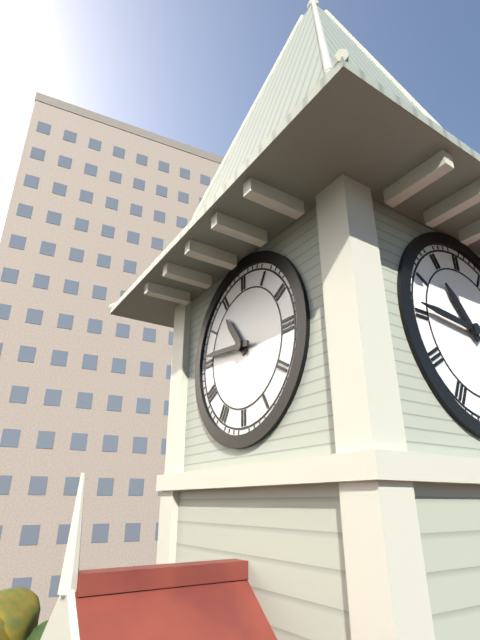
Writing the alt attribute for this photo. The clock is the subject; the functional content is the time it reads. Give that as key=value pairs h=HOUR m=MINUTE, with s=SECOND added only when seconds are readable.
h=10 m=46
